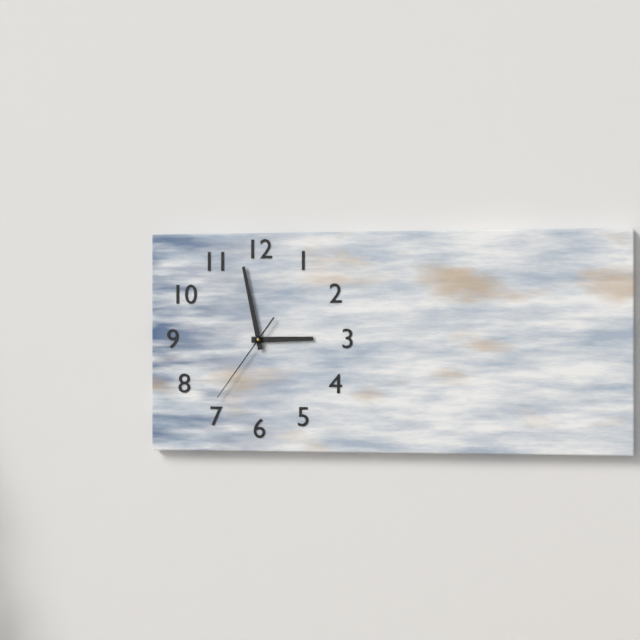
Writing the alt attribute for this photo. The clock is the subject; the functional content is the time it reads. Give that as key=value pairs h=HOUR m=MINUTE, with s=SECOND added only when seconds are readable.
h=2 m=58 s=36
